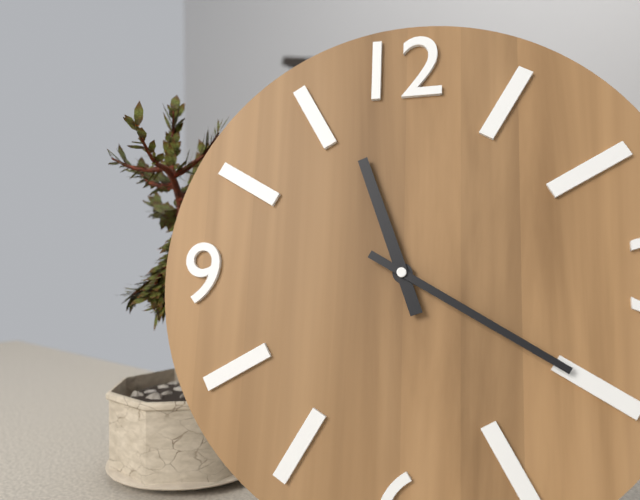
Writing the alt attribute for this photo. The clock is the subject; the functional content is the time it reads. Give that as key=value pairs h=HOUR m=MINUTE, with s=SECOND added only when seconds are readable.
h=11 m=20
